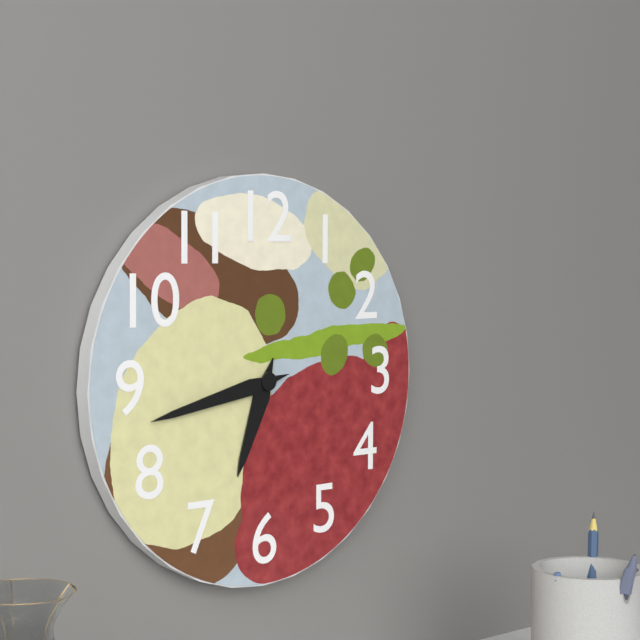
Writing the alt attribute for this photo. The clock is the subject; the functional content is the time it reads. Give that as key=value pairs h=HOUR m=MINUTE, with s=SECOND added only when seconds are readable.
h=6 m=43
